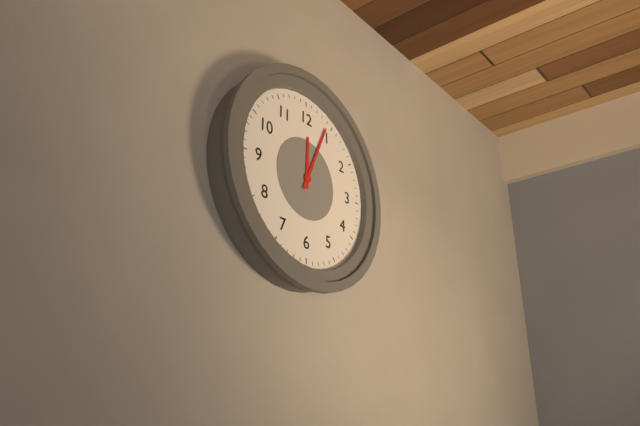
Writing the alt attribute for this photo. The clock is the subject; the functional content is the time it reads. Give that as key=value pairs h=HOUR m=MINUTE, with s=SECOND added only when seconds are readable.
h=12 m=4
